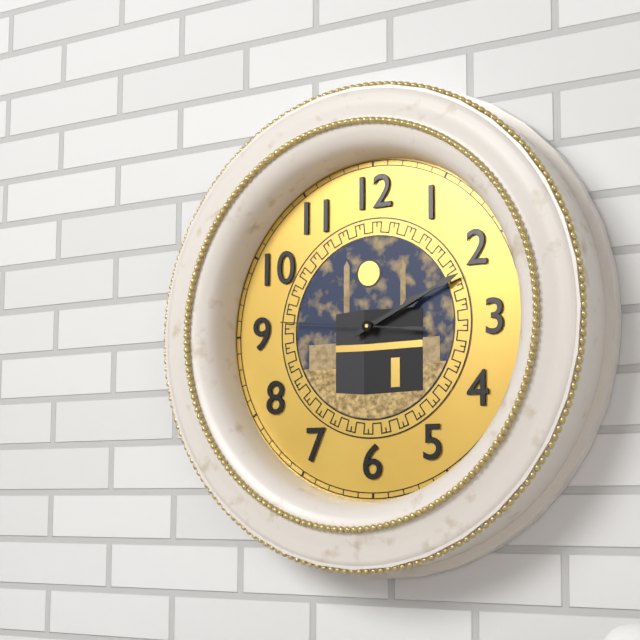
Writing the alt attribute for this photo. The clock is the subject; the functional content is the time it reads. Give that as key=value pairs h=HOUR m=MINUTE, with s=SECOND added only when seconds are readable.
h=2 m=11 s=46
